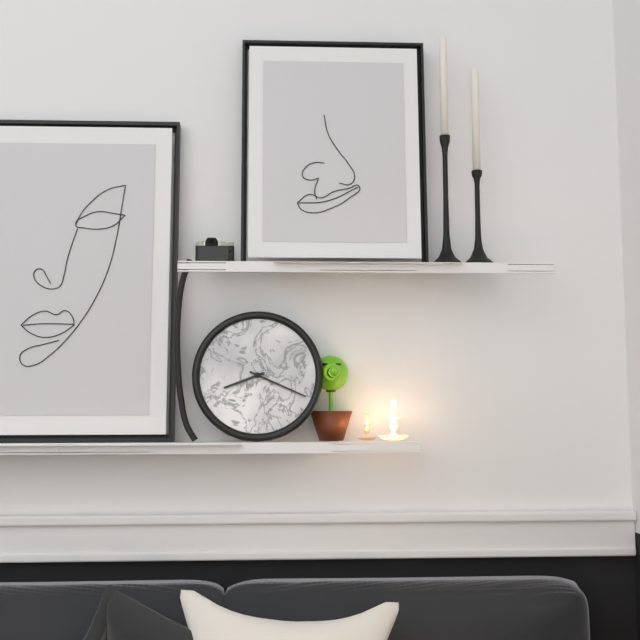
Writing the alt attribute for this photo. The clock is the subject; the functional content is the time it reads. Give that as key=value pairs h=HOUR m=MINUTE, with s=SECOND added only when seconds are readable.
h=8 m=19
